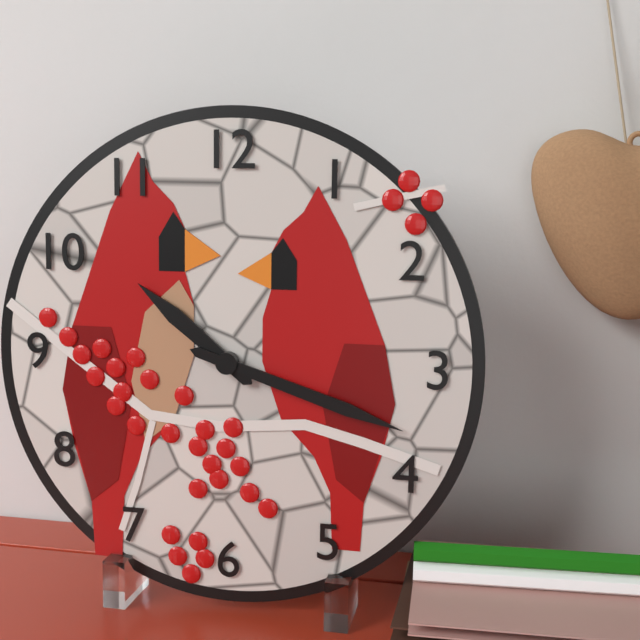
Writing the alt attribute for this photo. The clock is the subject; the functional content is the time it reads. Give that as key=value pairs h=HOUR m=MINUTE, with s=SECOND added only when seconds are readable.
h=10 m=18
